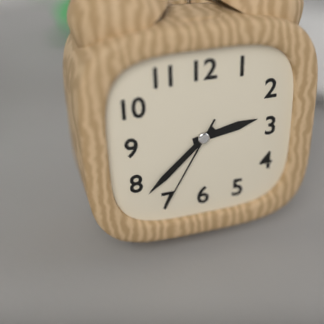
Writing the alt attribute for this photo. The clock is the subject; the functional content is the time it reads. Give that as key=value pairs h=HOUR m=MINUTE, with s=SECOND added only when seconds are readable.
h=2 m=38 s=35
